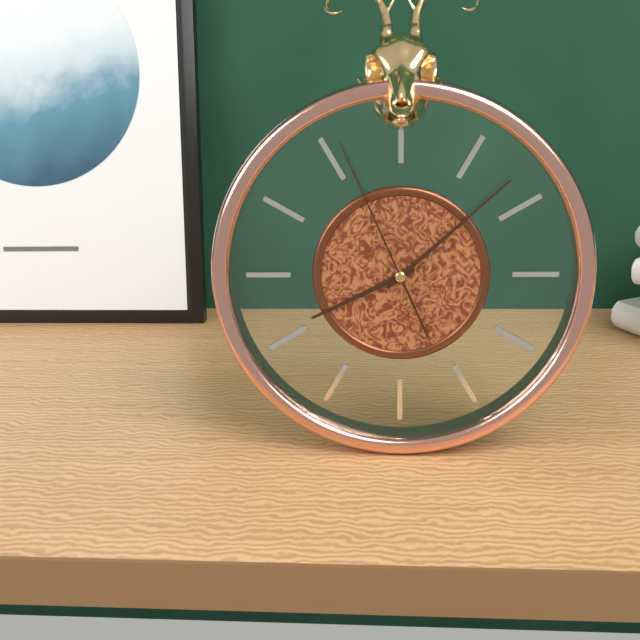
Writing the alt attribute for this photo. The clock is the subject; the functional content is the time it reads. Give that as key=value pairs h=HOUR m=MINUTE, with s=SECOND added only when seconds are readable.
h=8 m=8 s=56
